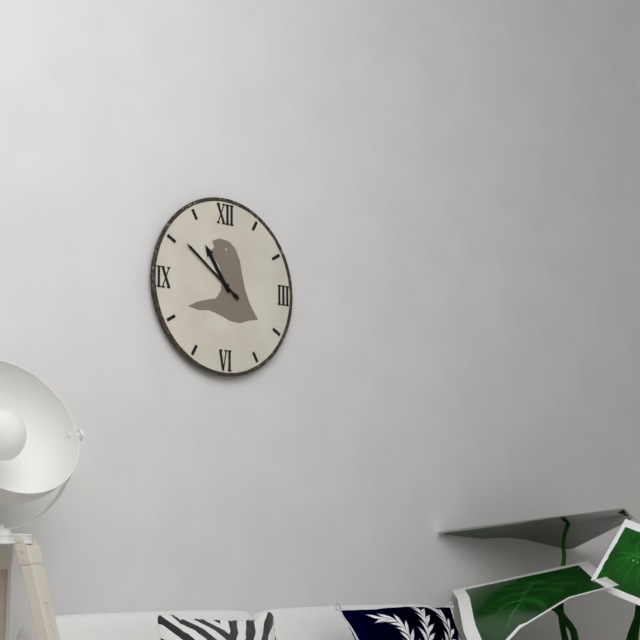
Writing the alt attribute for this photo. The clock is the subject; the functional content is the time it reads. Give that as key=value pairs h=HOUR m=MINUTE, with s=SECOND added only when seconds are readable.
h=10 m=51
